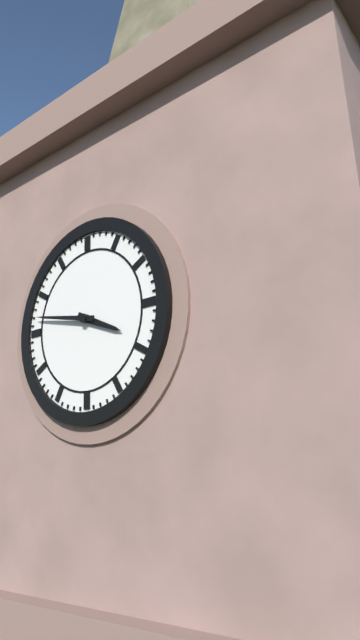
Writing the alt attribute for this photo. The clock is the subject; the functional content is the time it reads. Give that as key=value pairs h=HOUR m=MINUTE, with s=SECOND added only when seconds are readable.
h=3 m=47
